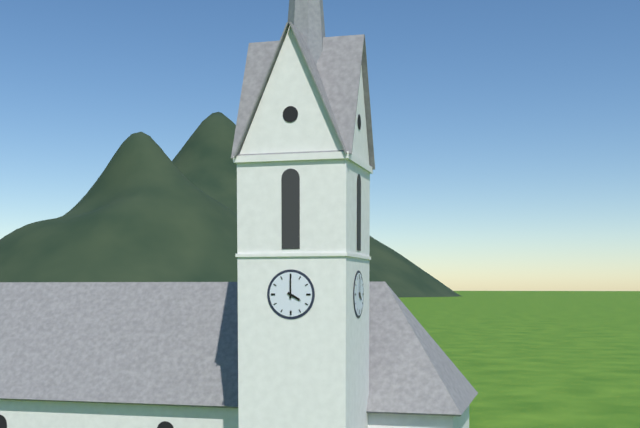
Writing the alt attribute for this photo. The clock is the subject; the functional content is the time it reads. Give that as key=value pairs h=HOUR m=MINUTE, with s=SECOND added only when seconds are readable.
h=4 m=0
